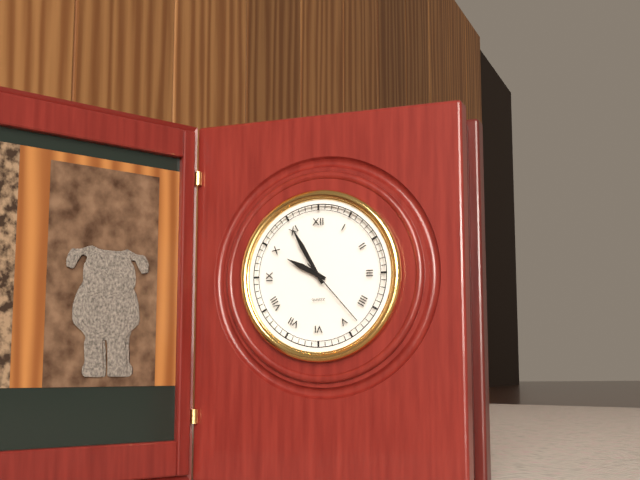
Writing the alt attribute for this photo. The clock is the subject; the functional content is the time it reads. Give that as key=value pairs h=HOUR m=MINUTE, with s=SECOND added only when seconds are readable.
h=9 m=55 s=23
